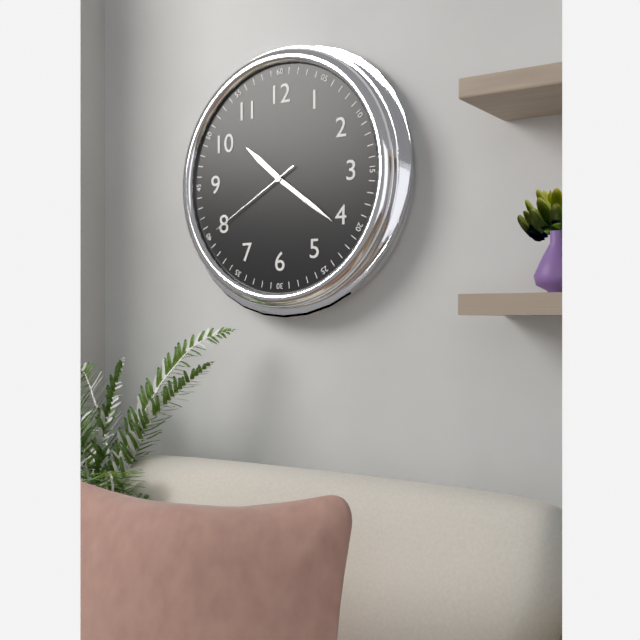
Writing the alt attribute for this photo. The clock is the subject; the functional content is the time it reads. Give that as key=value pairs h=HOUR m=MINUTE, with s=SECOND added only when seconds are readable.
h=10 m=21 s=40
